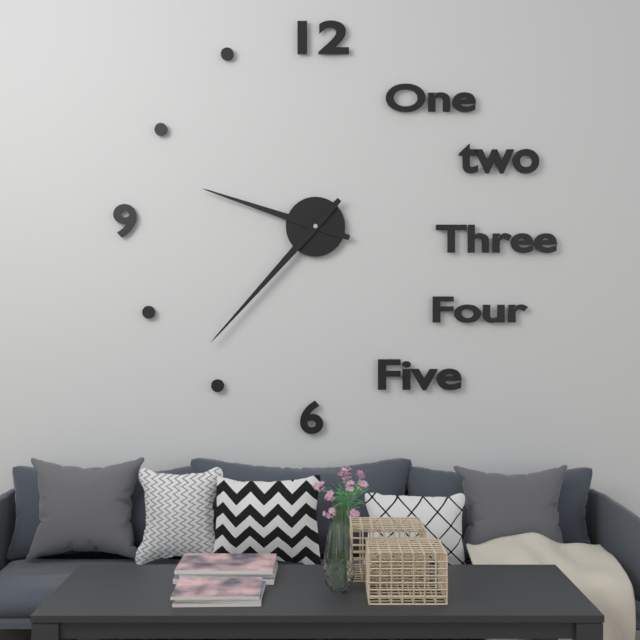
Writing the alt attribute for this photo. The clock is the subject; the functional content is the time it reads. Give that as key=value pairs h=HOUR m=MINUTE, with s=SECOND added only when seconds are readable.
h=9 m=37
